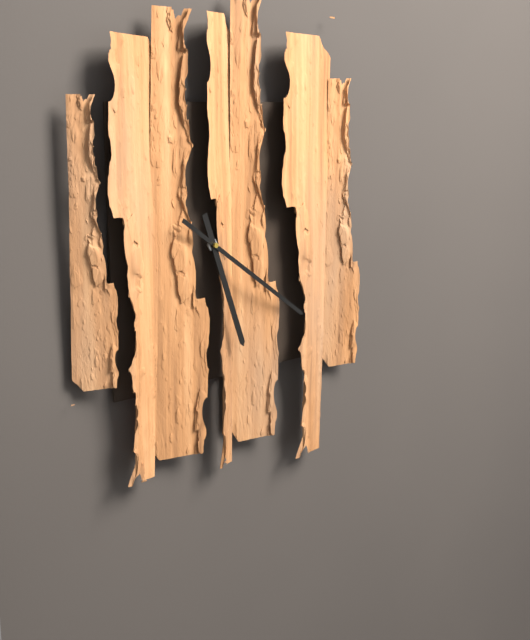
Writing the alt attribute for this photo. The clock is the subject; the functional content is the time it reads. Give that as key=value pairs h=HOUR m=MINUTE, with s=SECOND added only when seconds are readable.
h=5 m=21
